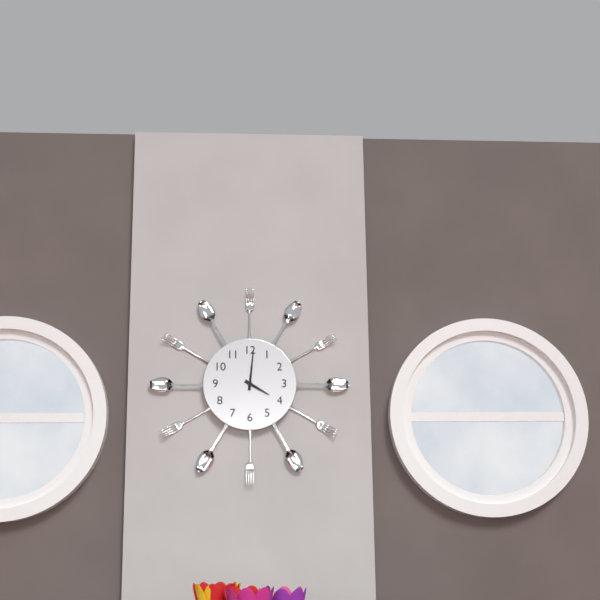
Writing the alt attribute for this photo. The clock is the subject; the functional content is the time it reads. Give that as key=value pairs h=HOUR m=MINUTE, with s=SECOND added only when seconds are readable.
h=4 m=1
